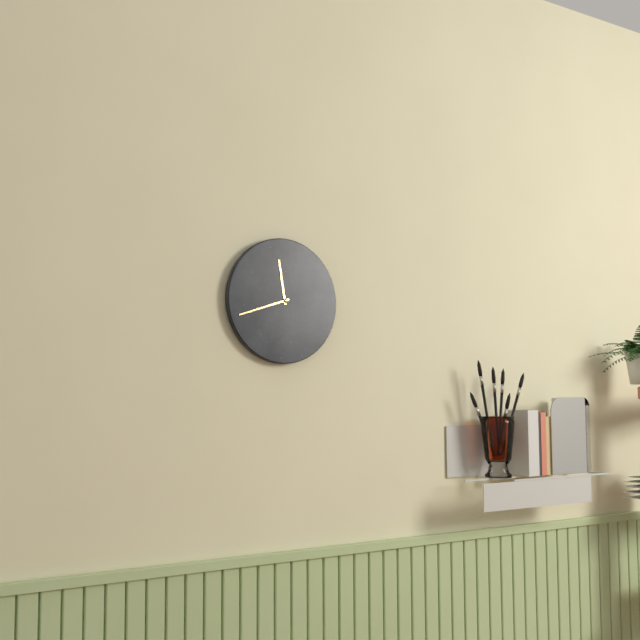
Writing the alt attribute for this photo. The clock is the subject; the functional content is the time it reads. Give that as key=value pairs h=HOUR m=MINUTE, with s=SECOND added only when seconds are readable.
h=11 m=42
